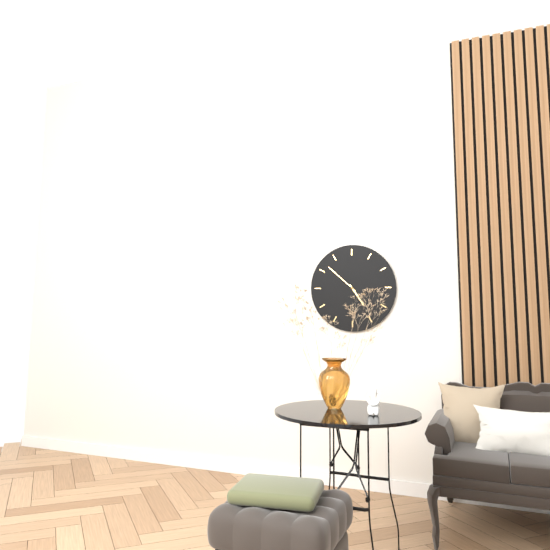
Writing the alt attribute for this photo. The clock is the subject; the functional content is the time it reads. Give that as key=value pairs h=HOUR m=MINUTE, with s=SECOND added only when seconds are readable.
h=4 m=52
